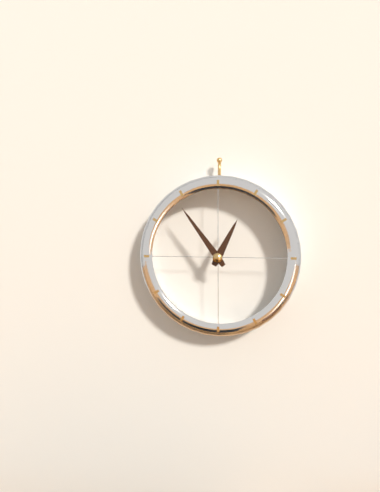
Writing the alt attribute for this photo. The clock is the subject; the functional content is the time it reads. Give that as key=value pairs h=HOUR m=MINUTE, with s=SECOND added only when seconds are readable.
h=12 m=54
